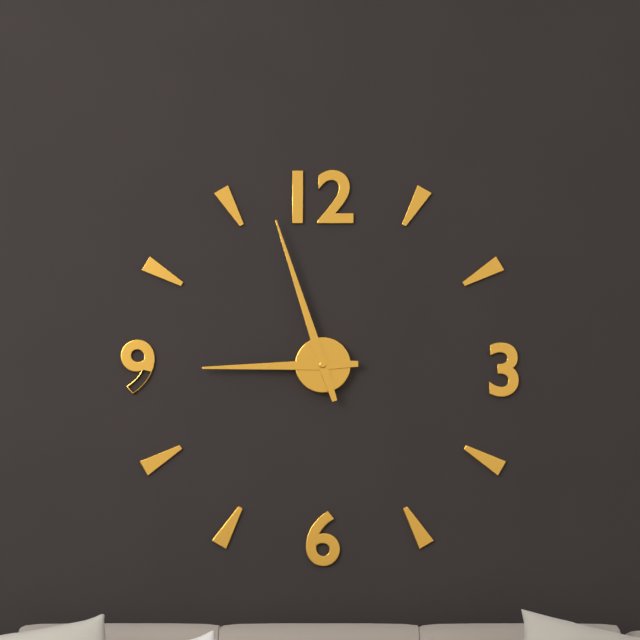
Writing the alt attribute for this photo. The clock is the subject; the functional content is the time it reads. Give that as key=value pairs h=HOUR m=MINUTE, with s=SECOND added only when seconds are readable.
h=8 m=57
